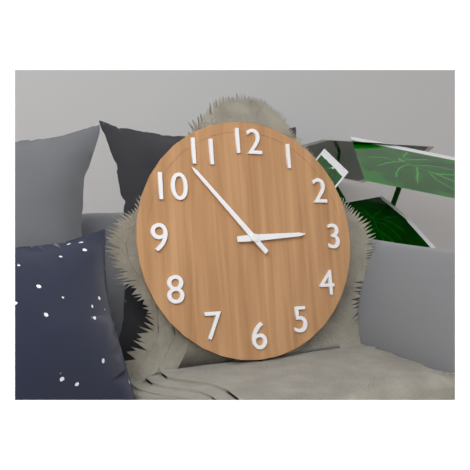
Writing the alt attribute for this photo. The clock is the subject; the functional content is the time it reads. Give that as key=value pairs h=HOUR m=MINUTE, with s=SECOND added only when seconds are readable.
h=2 m=53
